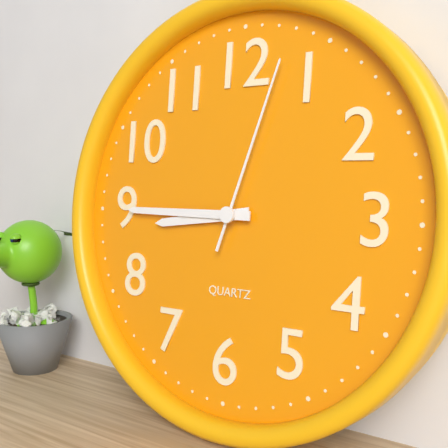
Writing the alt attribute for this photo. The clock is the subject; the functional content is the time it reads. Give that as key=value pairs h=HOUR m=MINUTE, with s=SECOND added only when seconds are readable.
h=8 m=45 s=3
